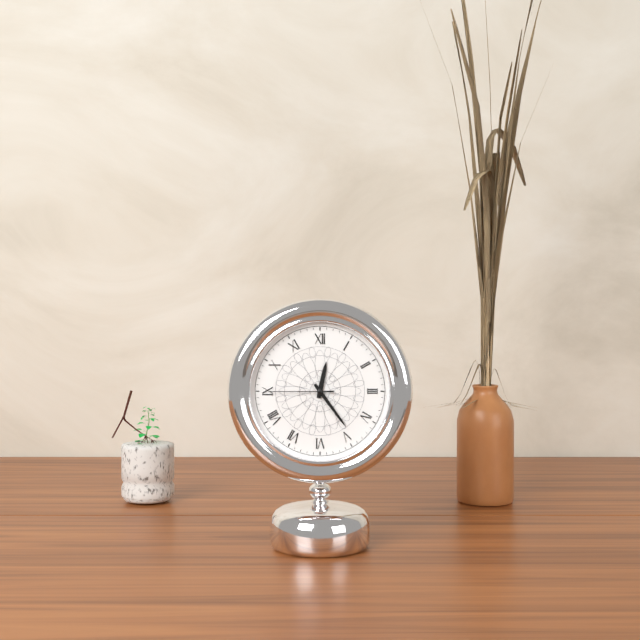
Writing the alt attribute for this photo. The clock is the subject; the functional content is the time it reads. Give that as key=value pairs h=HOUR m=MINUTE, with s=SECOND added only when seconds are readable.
h=12 m=24 s=45
